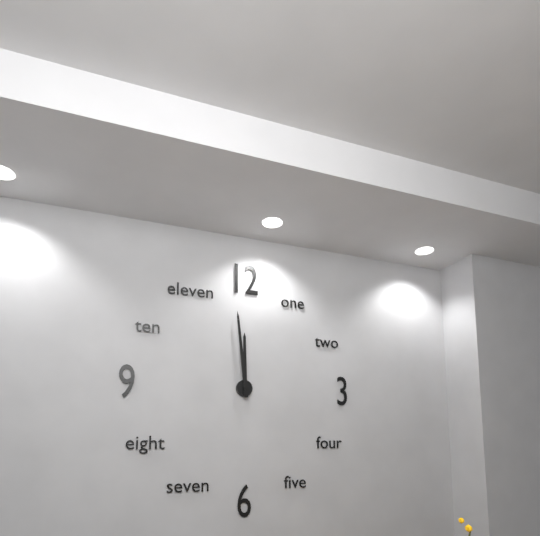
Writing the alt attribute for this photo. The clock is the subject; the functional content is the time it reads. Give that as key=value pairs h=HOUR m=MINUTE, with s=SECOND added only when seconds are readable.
h=11 m=59
